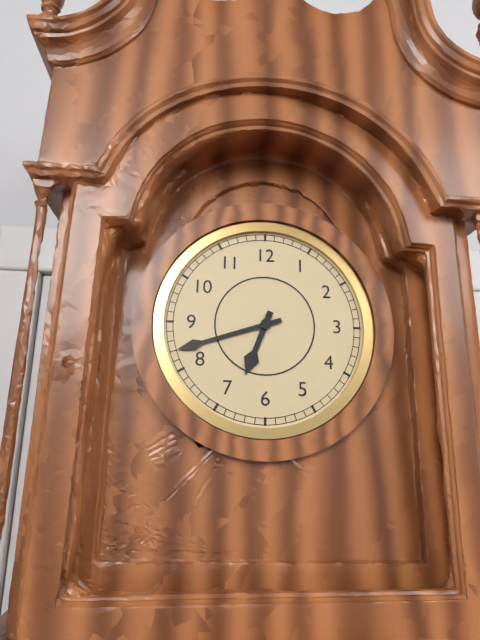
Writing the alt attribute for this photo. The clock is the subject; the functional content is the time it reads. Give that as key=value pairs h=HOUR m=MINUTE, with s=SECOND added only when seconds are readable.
h=6 m=42
